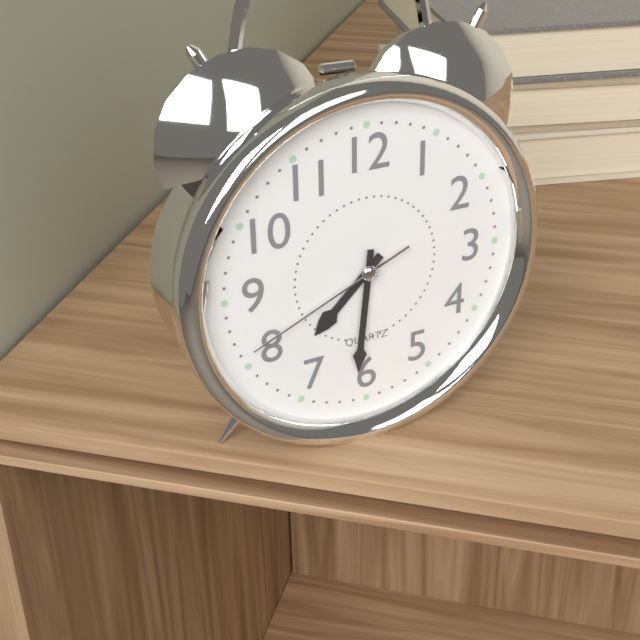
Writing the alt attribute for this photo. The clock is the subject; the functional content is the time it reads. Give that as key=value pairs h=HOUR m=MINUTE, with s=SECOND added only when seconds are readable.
h=7 m=31 s=41
